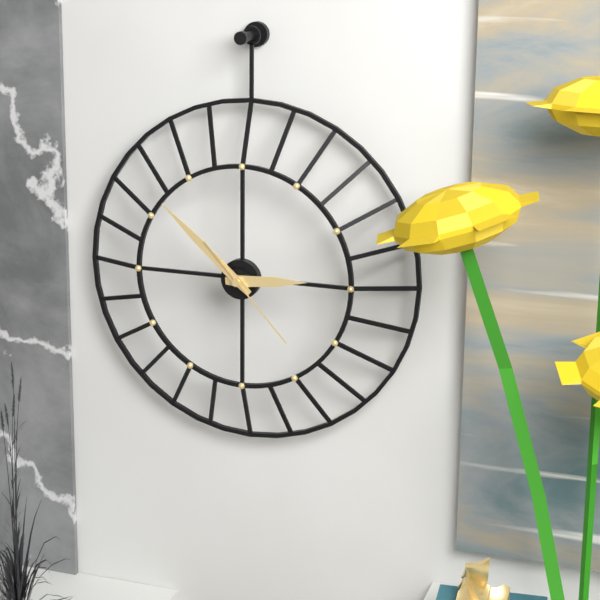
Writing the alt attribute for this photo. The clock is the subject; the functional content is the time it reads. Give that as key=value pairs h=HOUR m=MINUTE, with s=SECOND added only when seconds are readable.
h=2 m=52 s=23
